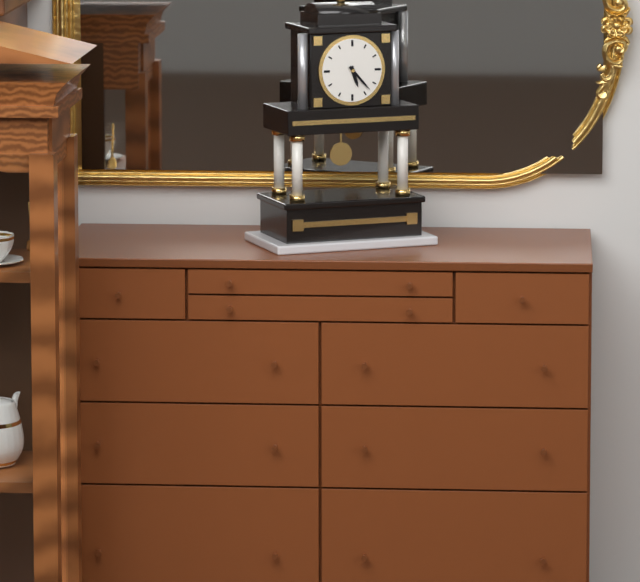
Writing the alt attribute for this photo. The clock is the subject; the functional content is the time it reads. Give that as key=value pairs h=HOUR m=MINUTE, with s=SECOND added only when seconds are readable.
h=5 m=23
